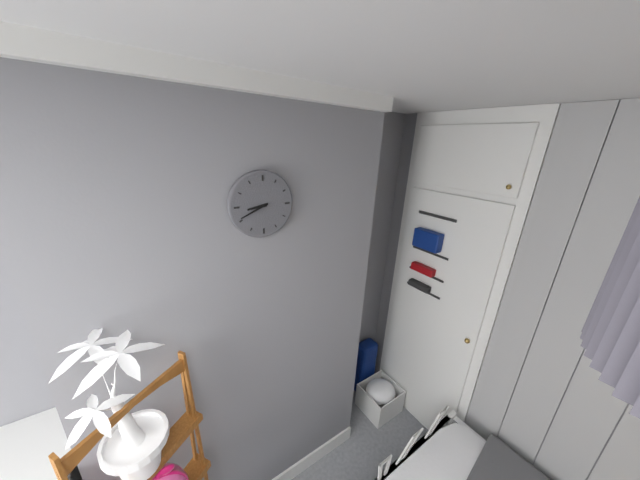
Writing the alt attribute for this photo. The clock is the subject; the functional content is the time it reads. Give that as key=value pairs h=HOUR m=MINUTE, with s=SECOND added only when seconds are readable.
h=8 m=41
